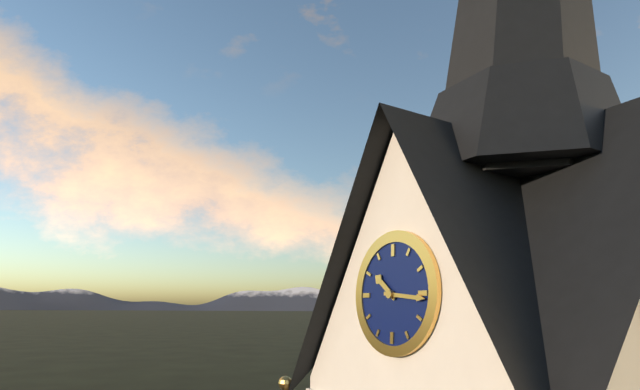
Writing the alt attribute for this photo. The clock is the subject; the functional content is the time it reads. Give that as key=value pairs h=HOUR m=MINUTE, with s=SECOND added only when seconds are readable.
h=10 m=16
